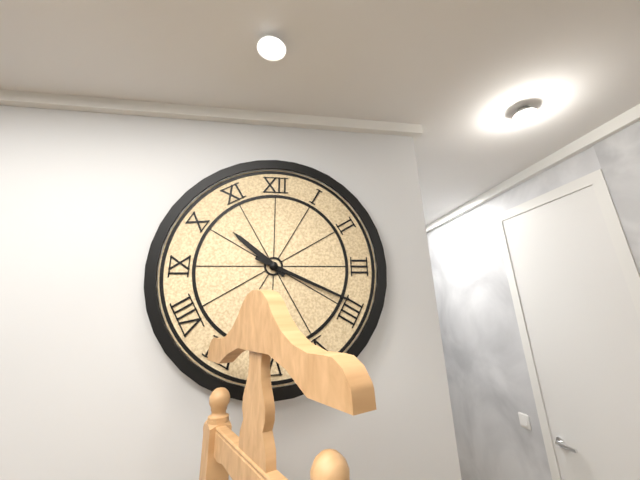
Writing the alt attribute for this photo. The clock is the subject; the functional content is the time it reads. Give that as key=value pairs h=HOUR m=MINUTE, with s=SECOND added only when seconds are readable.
h=10 m=19
